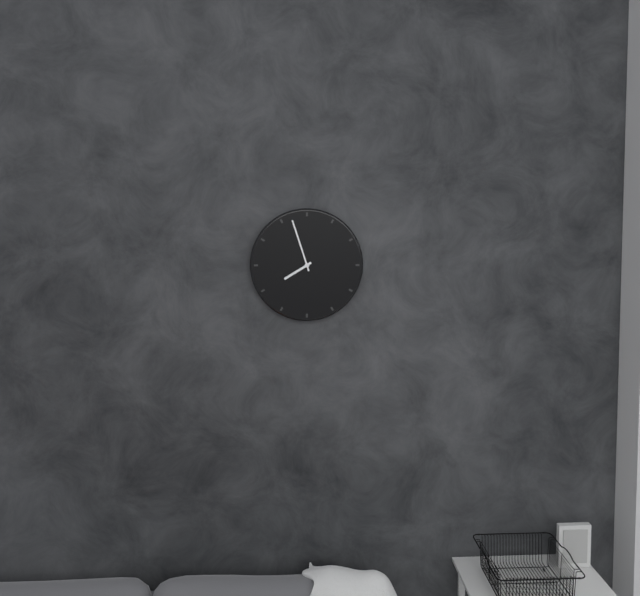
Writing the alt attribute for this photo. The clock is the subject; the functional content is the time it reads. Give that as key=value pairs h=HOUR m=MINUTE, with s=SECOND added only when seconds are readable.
h=7 m=57
